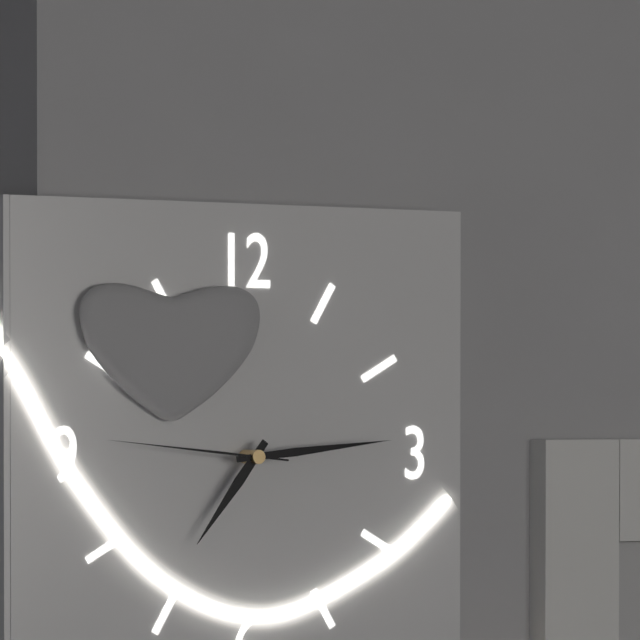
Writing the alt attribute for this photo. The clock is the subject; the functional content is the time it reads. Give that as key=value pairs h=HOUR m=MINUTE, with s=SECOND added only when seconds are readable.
h=7 m=14 s=46
